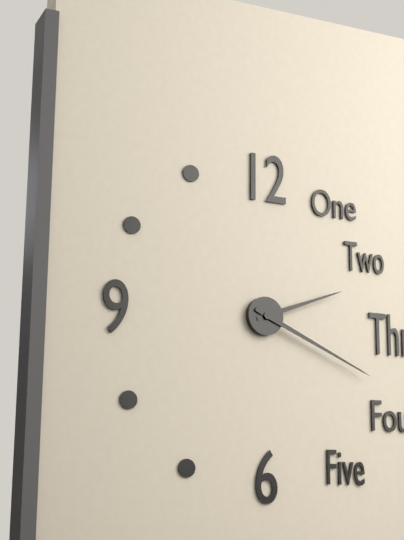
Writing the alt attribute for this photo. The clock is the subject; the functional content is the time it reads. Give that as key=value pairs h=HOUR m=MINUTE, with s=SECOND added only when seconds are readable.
h=2 m=19
